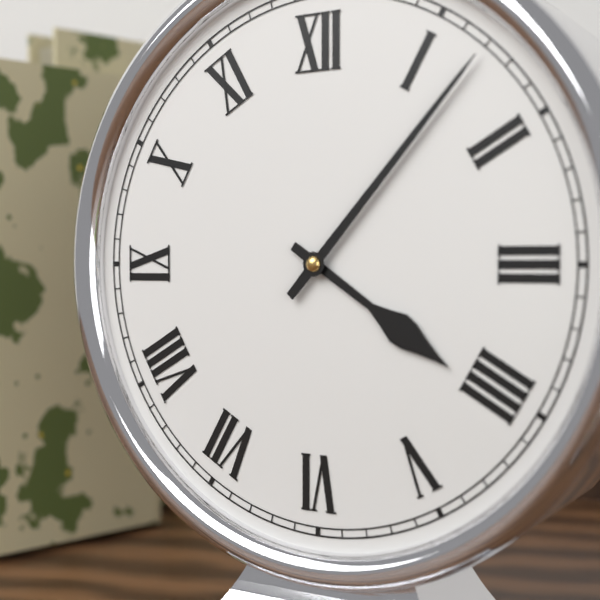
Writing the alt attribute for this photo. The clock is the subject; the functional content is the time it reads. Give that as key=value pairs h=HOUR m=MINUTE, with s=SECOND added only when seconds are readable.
h=4 m=7
